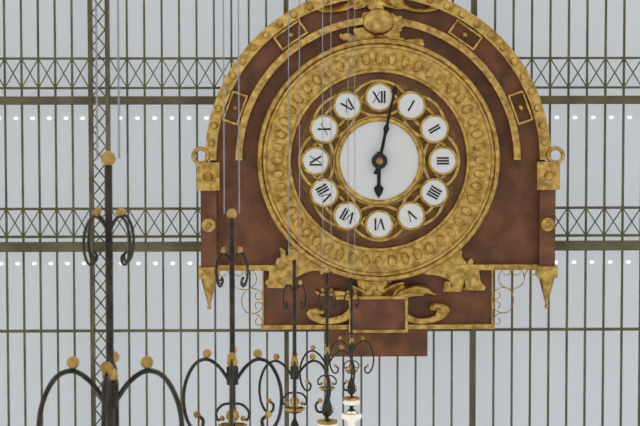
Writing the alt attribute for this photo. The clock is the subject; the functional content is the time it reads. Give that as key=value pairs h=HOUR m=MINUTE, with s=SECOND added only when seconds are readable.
h=6 m=2
